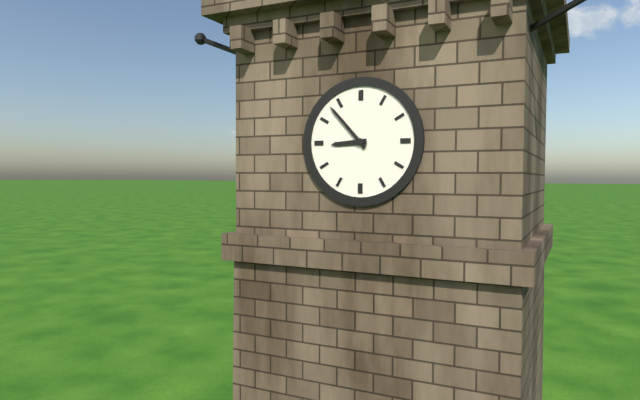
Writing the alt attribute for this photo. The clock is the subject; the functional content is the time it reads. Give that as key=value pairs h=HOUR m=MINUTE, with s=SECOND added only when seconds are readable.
h=8 m=53
